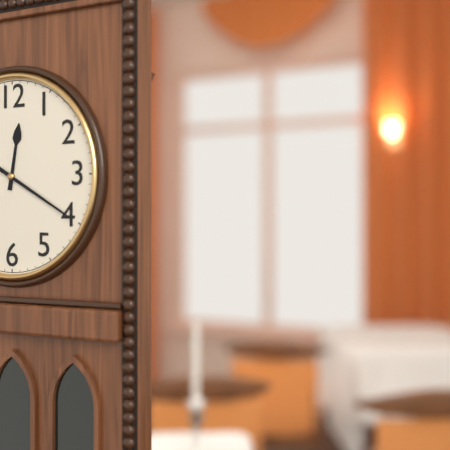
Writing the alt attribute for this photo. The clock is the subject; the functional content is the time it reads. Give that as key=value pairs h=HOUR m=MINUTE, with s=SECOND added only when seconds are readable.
h=12 m=20
